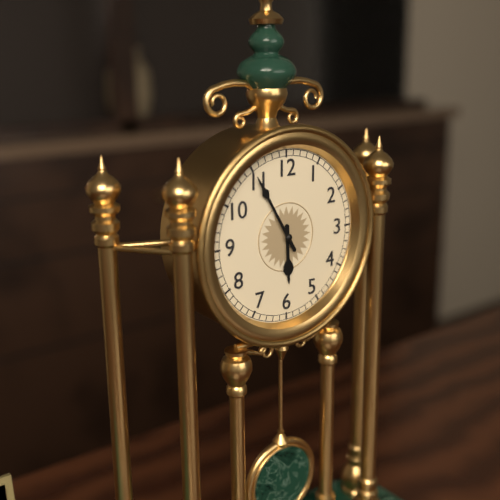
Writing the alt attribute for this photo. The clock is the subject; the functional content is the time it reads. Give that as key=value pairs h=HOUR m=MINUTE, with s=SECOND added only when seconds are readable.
h=5 m=55
